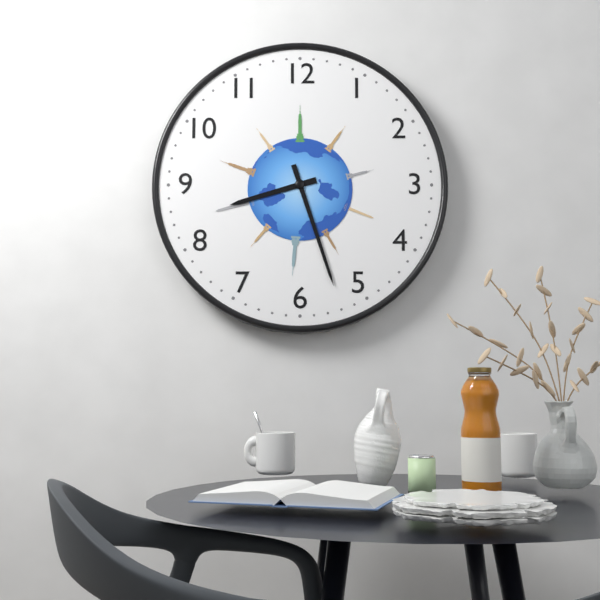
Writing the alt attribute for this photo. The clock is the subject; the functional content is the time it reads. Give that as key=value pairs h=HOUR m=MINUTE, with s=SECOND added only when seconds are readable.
h=8 m=27
